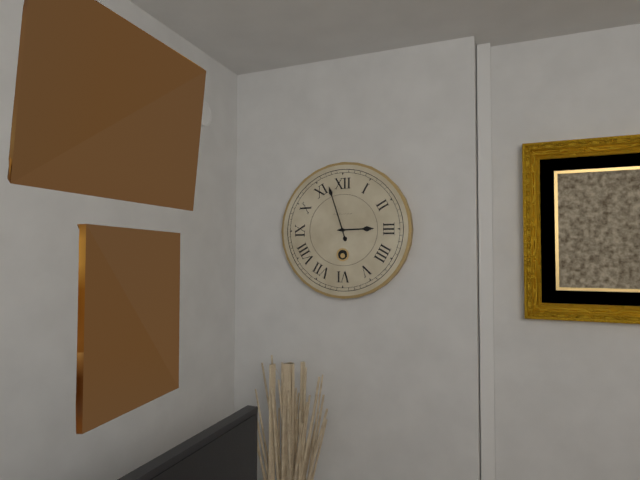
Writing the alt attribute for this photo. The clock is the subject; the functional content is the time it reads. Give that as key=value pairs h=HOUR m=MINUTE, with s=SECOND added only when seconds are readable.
h=2 m=57
